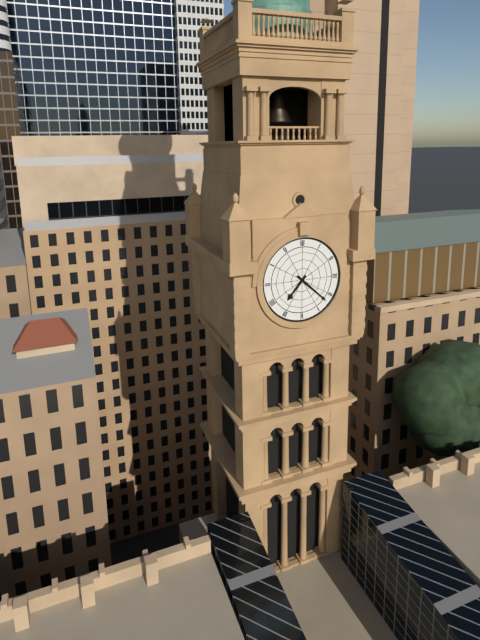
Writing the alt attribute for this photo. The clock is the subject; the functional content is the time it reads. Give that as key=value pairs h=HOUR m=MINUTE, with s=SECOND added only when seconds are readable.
h=7 m=22
